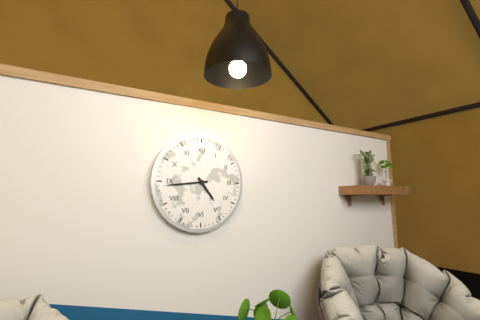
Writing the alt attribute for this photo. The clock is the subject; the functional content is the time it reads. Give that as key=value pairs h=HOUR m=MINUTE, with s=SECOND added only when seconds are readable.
h=4 m=44
